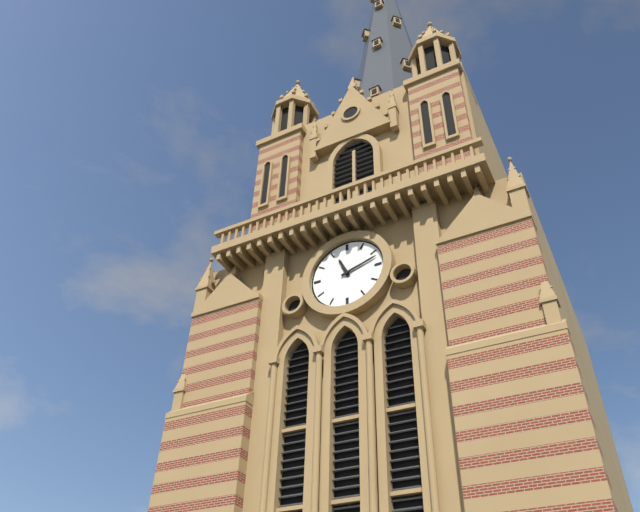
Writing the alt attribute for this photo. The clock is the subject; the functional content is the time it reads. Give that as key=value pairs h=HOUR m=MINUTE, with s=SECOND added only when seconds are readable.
h=11 m=12
